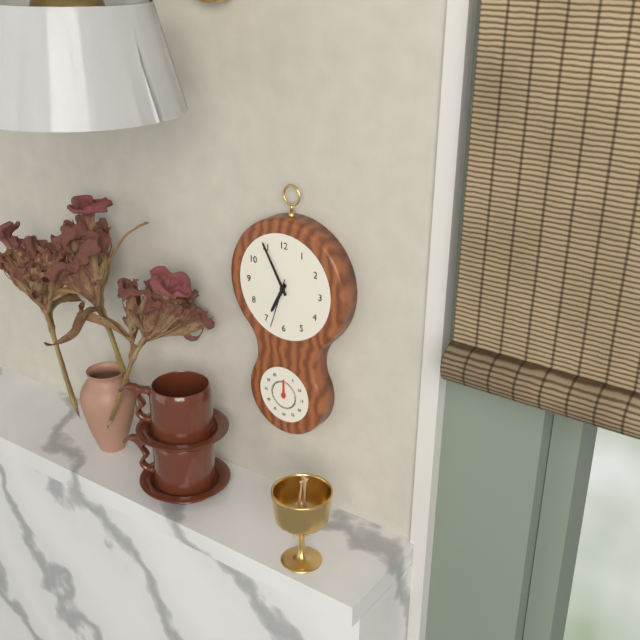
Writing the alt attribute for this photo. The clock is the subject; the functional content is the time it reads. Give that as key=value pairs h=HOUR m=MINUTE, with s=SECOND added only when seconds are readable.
h=6 m=55
